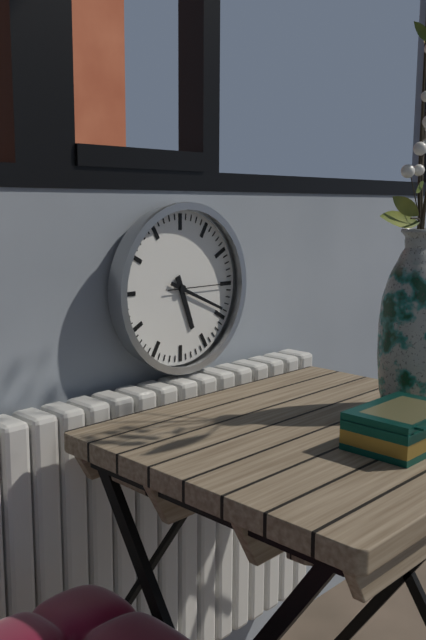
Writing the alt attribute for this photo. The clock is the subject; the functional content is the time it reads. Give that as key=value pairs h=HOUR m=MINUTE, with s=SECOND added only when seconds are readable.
h=5 m=19 s=15
